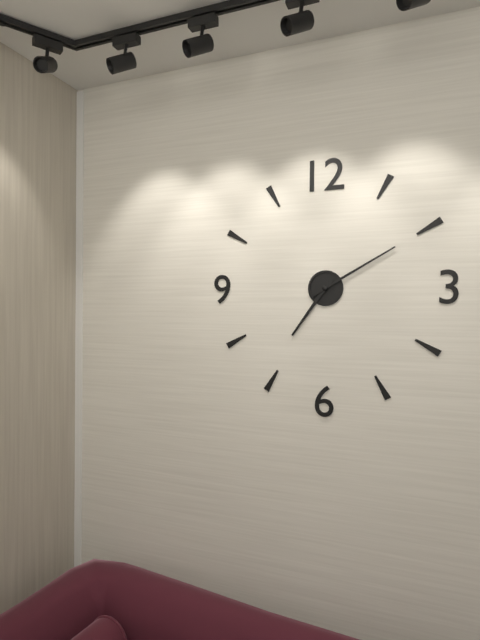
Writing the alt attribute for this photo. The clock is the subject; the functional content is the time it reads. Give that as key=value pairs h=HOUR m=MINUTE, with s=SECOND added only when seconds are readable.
h=7 m=10
